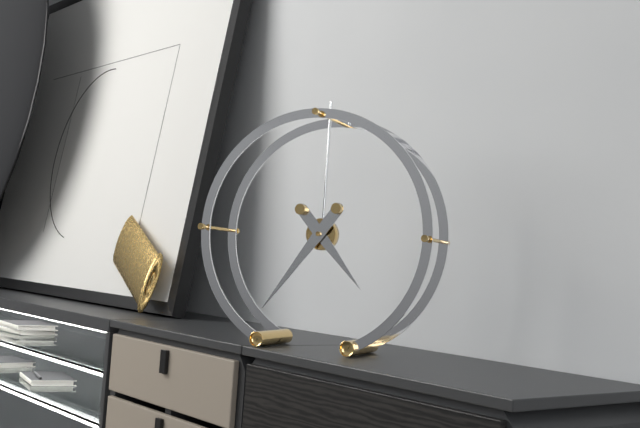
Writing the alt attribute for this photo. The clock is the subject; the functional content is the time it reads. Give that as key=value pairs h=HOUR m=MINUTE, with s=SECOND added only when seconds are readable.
h=4 m=36
